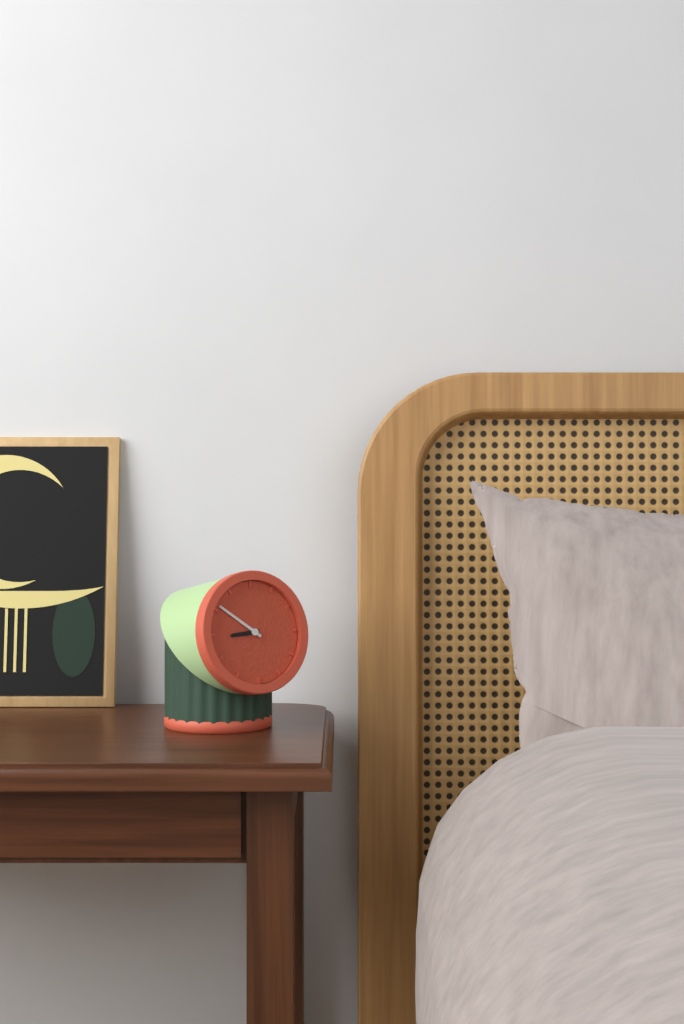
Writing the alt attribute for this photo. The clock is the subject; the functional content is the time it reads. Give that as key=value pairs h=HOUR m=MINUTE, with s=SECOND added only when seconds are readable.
h=8 m=51
